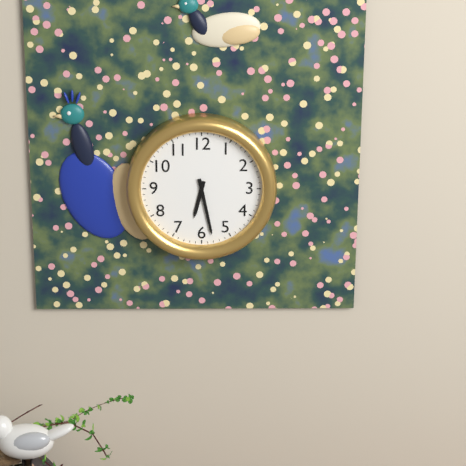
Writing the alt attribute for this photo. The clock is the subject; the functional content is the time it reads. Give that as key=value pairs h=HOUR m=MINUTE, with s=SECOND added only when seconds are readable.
h=6 m=28
